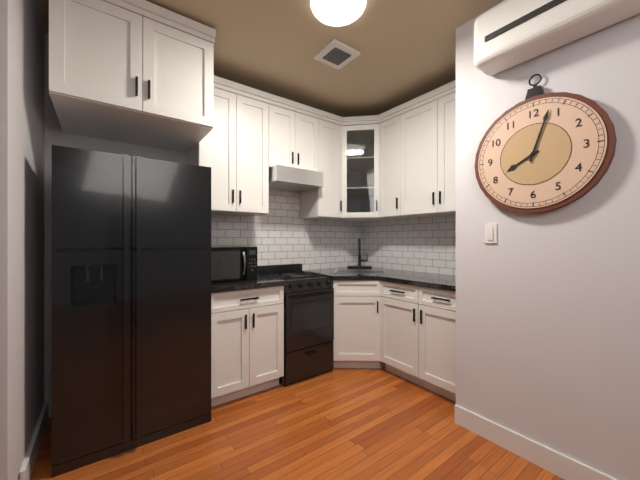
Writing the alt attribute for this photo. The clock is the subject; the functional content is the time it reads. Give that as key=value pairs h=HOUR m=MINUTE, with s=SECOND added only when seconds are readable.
h=8 m=3
